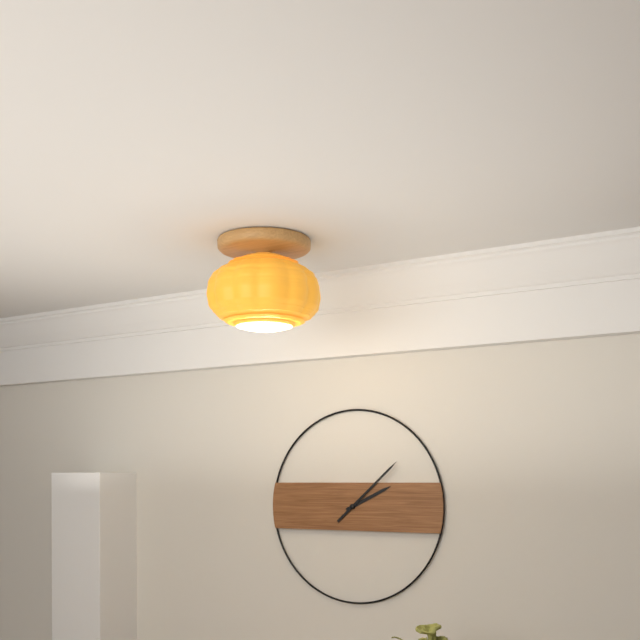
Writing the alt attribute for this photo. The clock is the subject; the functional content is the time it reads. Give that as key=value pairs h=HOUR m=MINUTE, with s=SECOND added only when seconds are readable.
h=2 m=8
